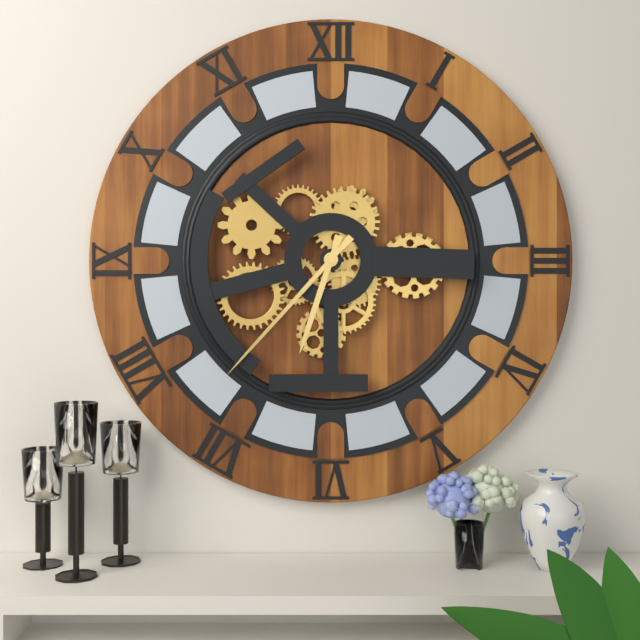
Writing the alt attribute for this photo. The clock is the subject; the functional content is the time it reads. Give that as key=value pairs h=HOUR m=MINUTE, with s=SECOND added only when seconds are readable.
h=6 m=37
